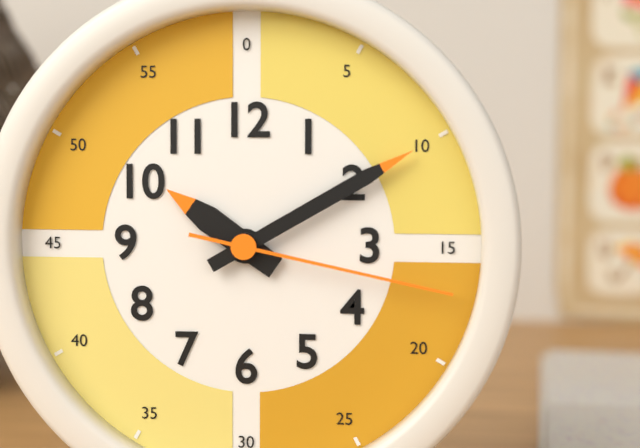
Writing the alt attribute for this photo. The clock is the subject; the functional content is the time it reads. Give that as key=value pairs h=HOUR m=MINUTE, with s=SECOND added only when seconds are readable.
h=10 m=10 s=17
